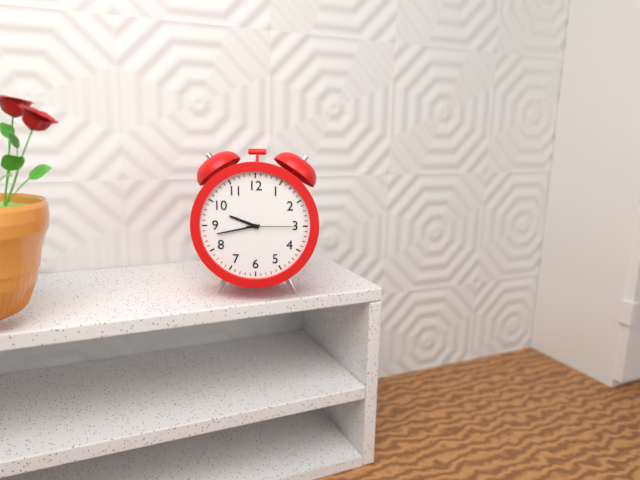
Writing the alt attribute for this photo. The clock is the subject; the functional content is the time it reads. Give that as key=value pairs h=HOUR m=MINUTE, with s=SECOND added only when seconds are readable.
h=9 m=43 s=15
